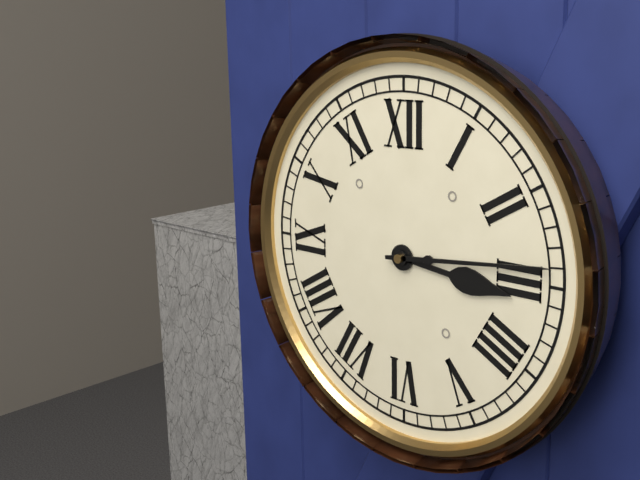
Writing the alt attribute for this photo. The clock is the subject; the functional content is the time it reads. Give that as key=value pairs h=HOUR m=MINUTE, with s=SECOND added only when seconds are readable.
h=3 m=14
